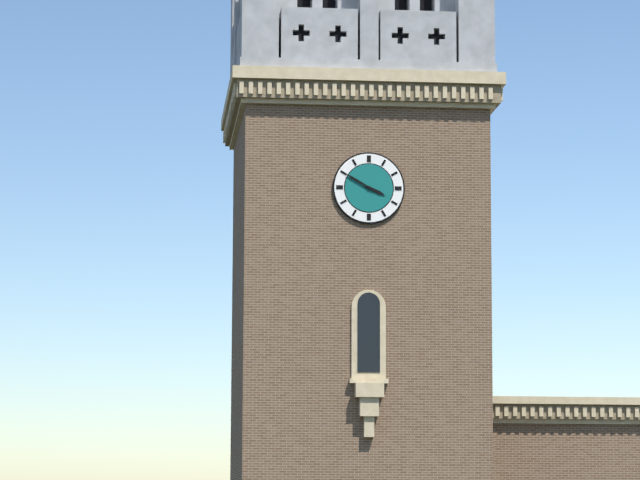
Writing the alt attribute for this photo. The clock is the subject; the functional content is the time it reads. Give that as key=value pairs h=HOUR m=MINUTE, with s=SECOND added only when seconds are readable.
h=3 m=50
